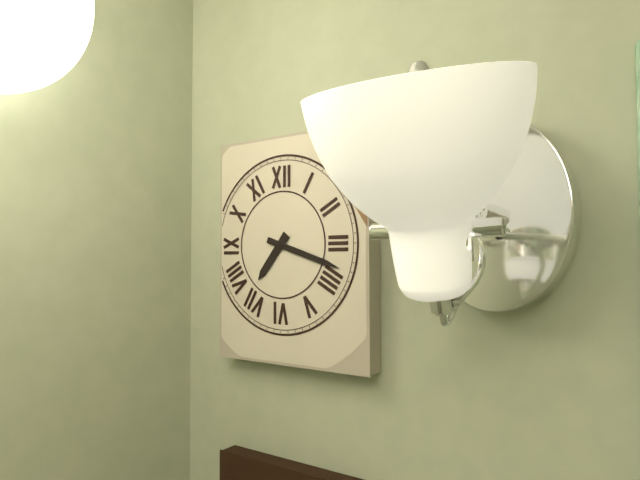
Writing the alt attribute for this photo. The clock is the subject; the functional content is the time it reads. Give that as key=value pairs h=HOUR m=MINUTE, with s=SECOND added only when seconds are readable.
h=7 m=18
